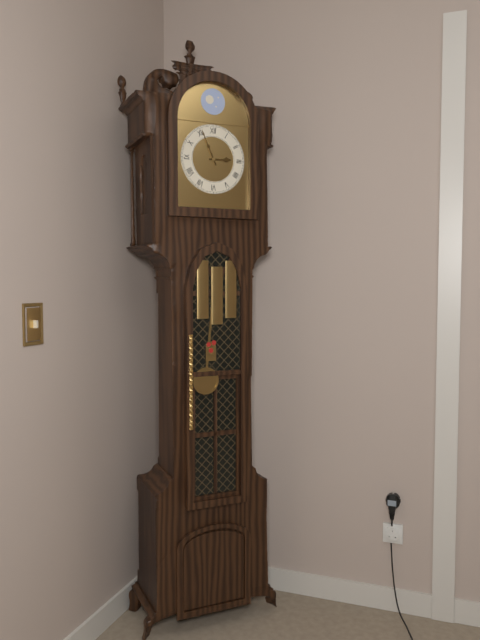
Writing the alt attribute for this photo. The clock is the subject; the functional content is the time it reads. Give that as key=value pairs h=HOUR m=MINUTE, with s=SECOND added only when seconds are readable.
h=2 m=56
